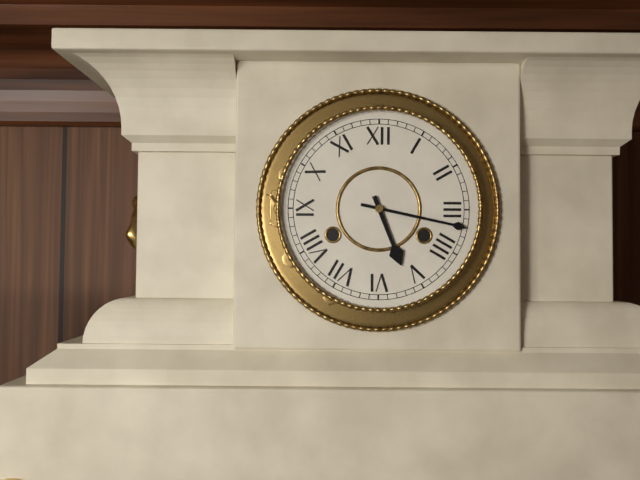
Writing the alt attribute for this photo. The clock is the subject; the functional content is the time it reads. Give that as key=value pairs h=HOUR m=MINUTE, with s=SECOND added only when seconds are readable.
h=5 m=17
